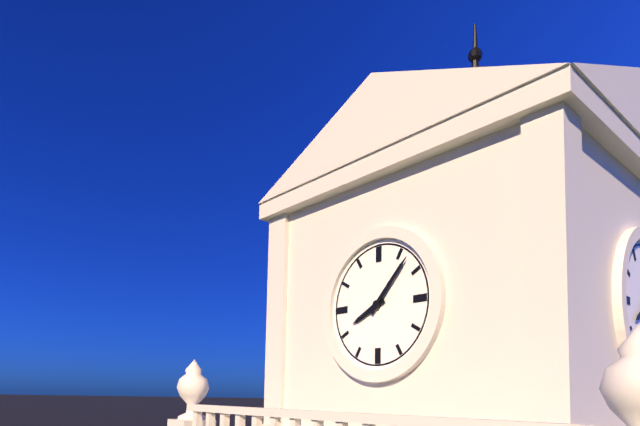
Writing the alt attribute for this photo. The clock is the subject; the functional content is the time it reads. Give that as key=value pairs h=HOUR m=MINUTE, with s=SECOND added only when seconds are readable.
h=8 m=7
